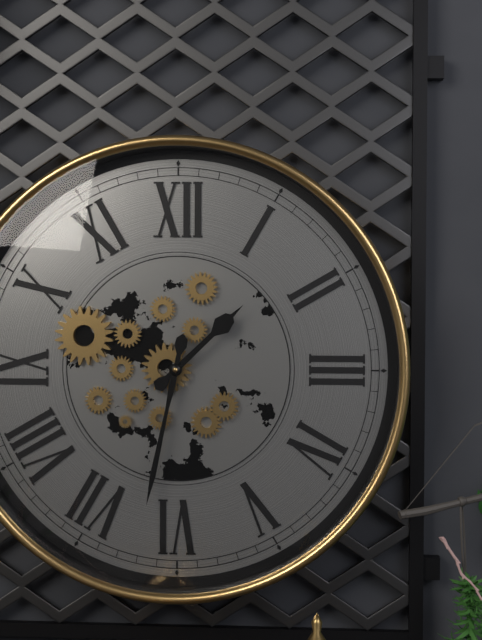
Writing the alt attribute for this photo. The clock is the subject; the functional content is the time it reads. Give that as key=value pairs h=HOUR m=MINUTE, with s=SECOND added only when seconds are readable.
h=1 m=32
